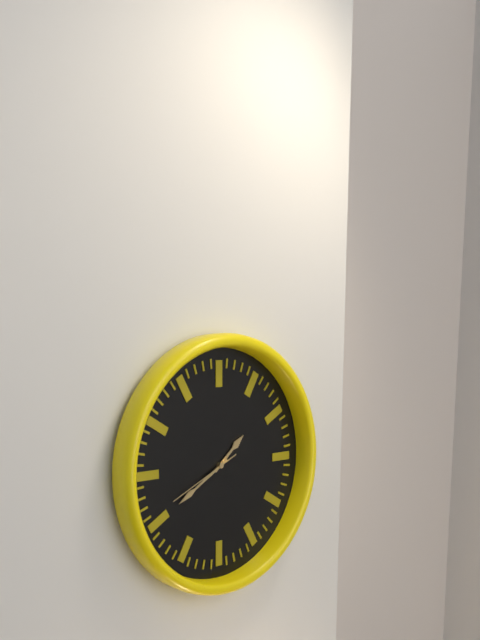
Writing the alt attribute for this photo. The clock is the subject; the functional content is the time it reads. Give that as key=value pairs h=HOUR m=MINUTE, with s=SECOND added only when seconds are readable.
h=1 m=40 s=41
